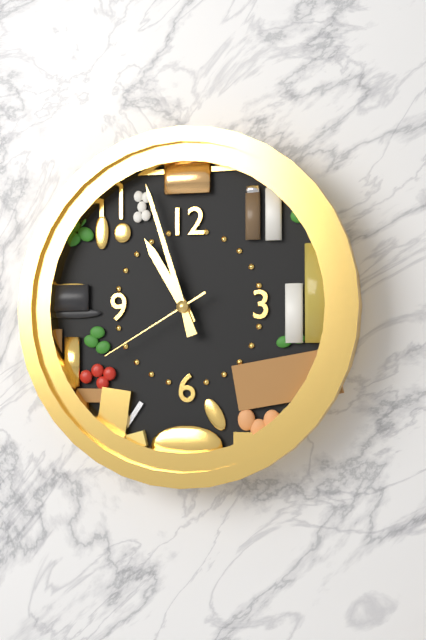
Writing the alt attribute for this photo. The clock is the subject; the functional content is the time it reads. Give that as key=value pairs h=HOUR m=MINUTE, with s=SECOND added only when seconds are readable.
h=10 m=57 s=40
